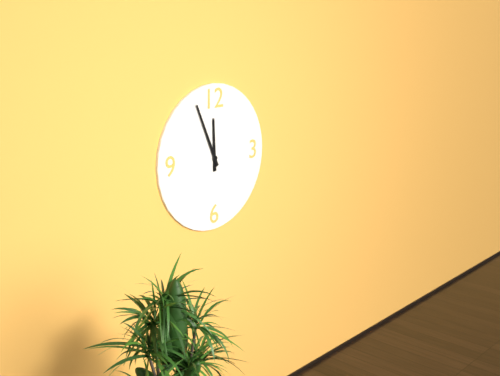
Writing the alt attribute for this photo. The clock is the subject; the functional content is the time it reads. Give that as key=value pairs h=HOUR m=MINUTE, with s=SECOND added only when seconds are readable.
h=11 m=56
